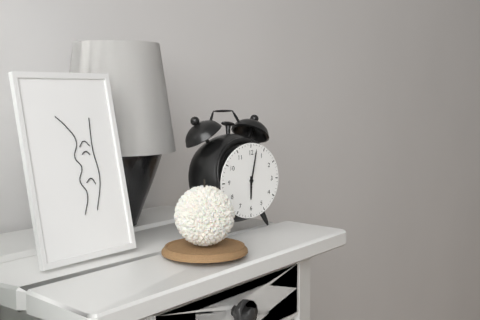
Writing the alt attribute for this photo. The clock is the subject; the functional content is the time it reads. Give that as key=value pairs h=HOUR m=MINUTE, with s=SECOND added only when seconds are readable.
h=6 m=2
